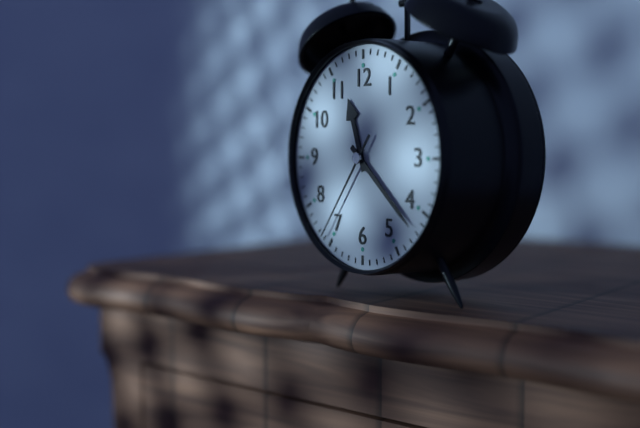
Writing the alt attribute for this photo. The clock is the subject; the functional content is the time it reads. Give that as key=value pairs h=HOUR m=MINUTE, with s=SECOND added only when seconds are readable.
h=11 m=22 s=36
